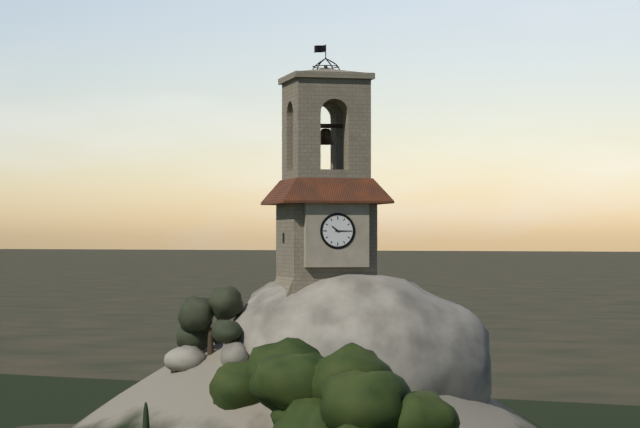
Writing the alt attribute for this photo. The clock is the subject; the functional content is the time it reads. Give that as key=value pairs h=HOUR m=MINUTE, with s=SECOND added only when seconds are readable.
h=10 m=15
